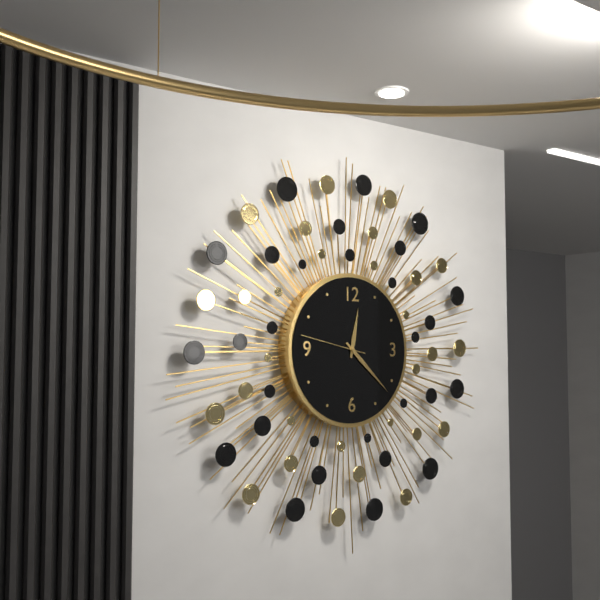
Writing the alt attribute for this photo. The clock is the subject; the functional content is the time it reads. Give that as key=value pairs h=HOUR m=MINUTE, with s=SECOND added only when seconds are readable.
h=12 m=22 s=47
